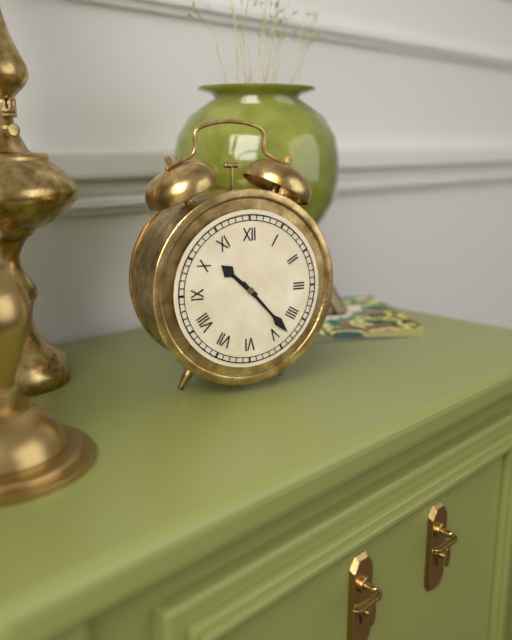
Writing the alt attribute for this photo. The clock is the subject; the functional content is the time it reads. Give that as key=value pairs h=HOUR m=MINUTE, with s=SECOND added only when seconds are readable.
h=10 m=23
